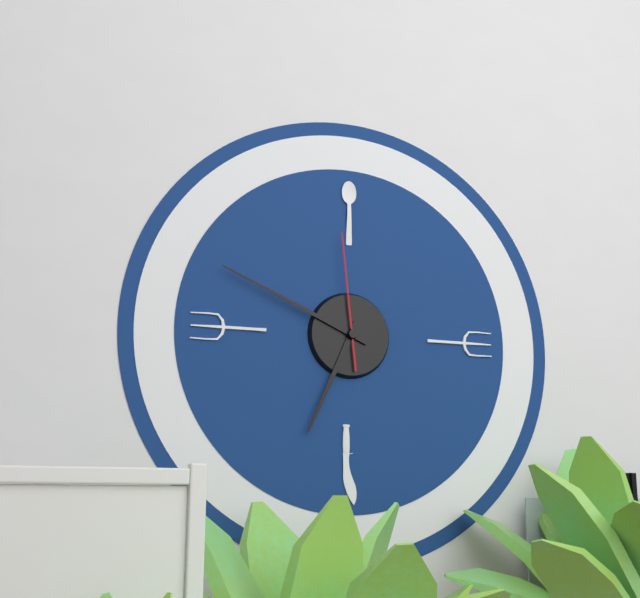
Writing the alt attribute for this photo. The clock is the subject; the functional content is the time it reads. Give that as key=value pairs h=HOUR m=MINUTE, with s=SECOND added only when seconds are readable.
h=6 m=49 s=59
